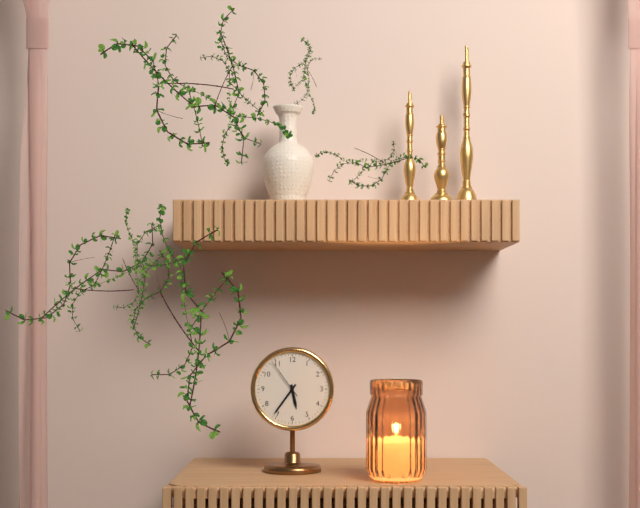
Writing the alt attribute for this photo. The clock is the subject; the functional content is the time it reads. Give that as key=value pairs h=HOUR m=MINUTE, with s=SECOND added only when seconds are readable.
h=5 m=36
